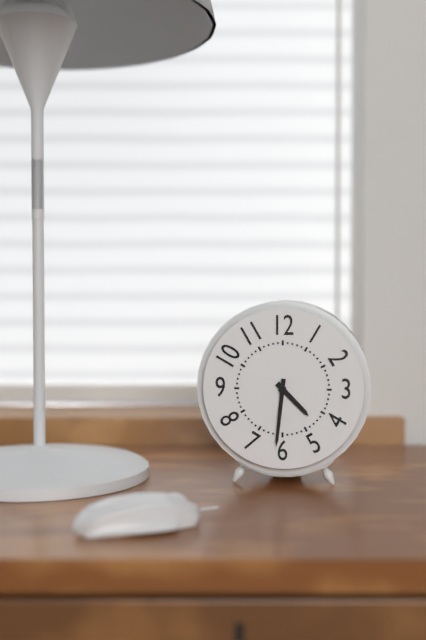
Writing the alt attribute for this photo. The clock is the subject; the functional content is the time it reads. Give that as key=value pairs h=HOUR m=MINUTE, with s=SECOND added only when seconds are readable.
h=4 m=31
